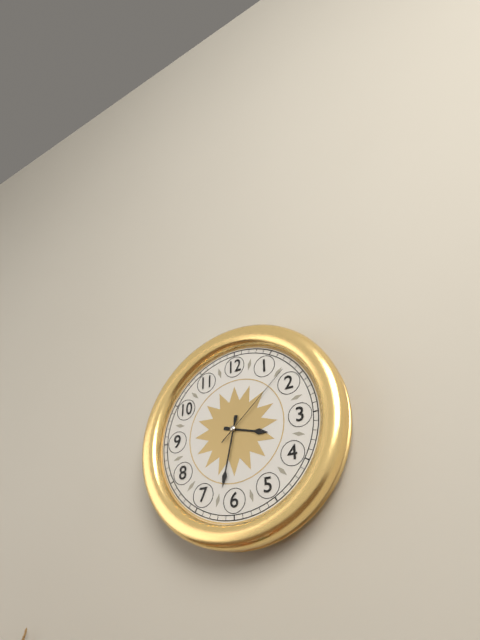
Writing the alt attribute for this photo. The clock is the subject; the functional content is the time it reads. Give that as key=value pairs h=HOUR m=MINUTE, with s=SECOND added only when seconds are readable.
h=3 m=32 s=8
